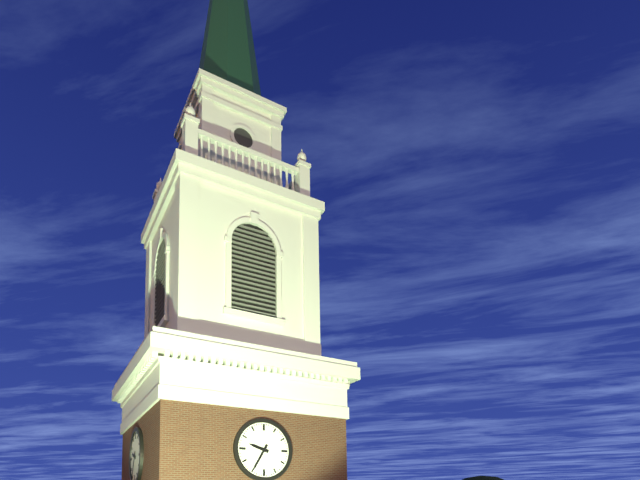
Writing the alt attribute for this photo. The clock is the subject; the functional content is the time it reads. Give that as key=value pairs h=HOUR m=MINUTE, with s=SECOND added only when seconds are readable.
h=9 m=35
